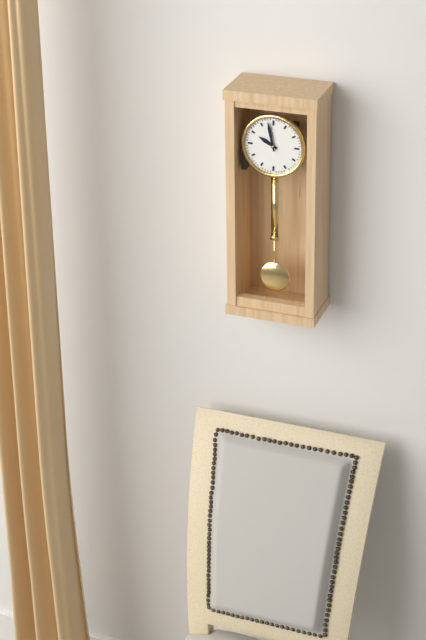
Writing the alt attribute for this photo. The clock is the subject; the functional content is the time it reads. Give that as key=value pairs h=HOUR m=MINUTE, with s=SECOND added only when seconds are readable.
h=9 m=58
